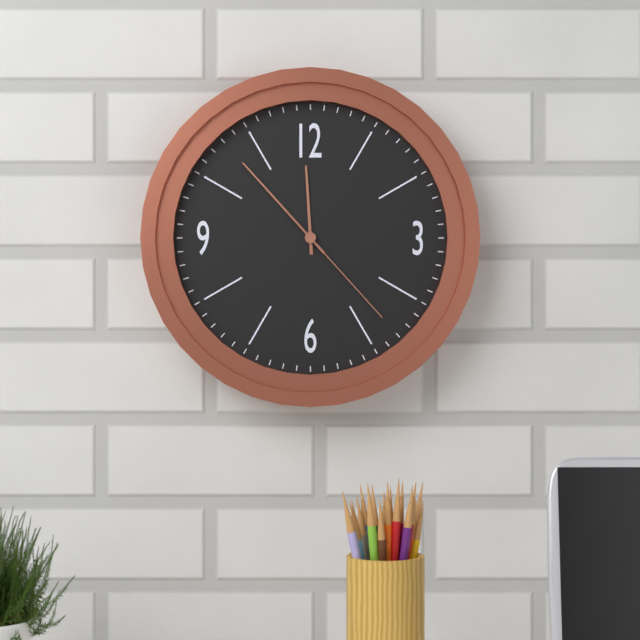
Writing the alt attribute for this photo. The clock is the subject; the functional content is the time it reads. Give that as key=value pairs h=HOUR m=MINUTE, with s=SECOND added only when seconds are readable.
h=11 m=53 s=23
